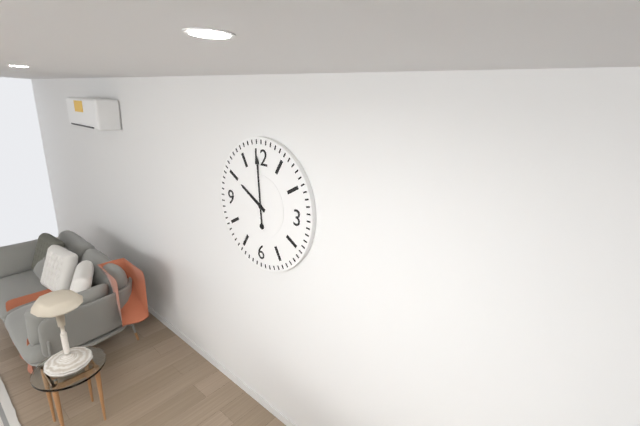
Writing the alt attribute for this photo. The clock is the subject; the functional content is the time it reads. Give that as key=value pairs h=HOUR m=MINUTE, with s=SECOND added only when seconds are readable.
h=9 m=59
